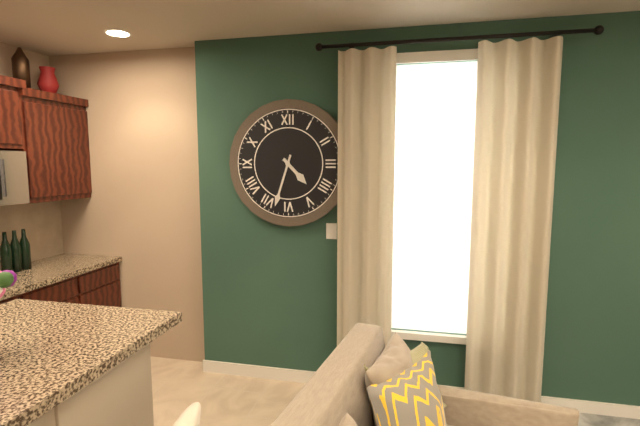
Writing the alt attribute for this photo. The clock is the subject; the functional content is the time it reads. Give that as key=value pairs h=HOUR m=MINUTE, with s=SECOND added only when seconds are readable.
h=4 m=33
